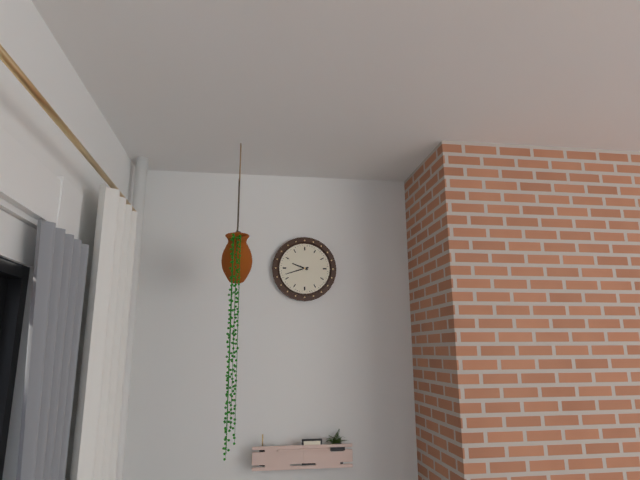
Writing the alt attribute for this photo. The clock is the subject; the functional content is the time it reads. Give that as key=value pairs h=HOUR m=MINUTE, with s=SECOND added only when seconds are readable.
h=9 m=42
